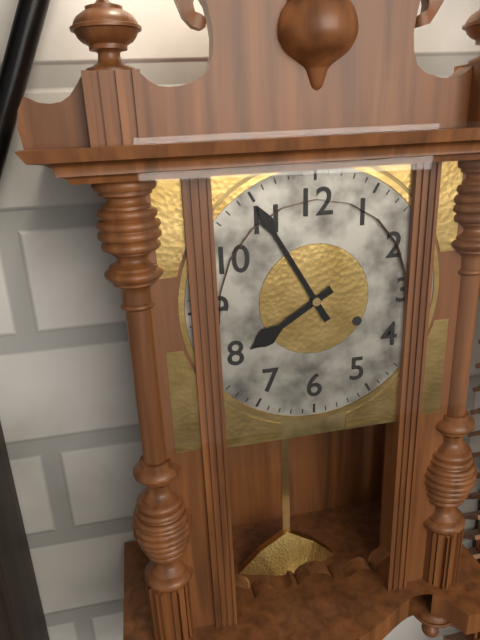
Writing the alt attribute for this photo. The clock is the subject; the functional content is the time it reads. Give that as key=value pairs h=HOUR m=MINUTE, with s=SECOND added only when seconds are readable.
h=7 m=55
